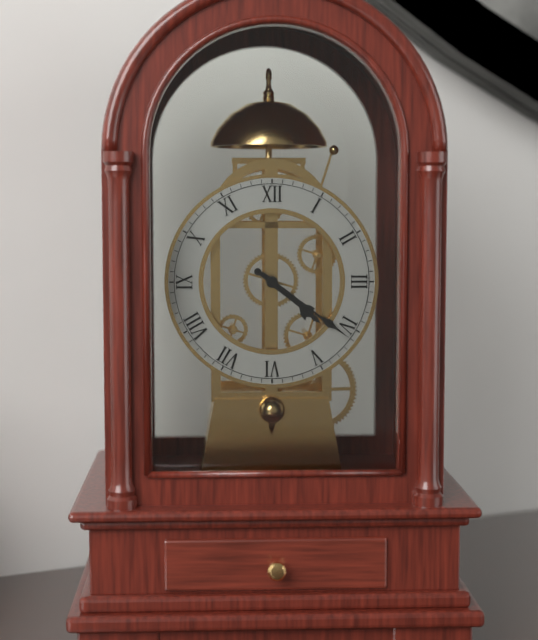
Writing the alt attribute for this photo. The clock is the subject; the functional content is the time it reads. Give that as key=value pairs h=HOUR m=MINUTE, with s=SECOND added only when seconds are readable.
h=4 m=21
